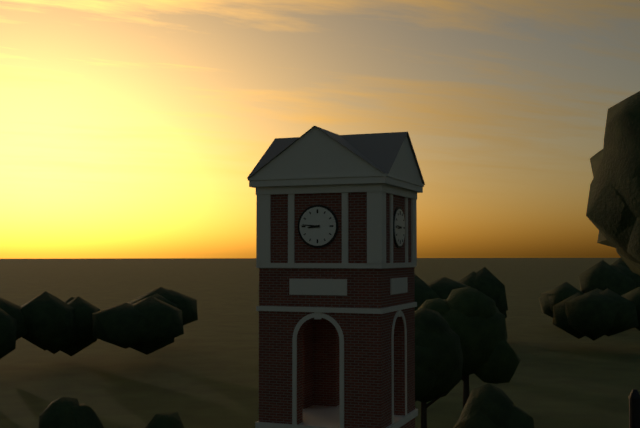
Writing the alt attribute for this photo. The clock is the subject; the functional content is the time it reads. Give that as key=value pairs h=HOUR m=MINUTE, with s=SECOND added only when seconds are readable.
h=8 m=46
